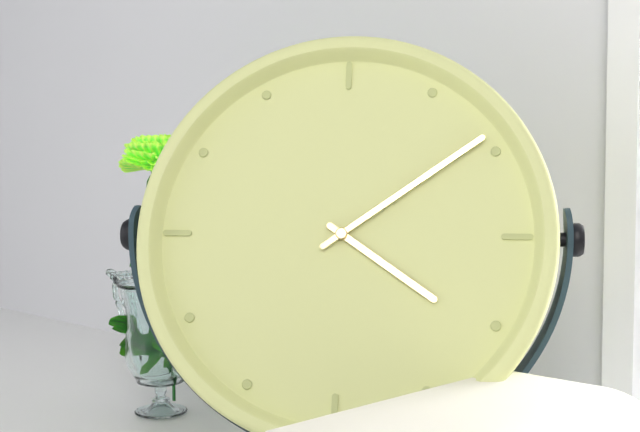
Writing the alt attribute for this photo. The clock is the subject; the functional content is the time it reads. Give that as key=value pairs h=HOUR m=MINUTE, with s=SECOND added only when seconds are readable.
h=4 m=9
